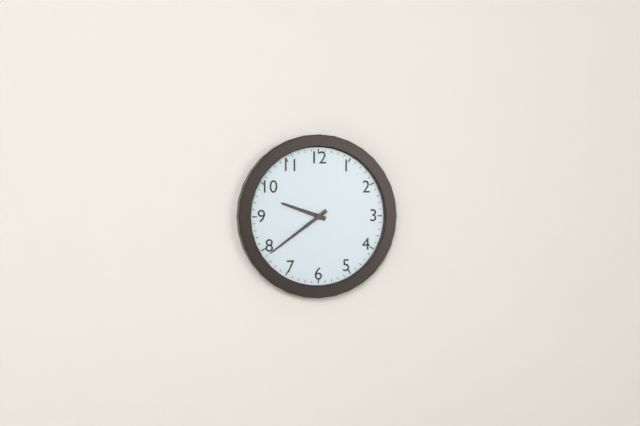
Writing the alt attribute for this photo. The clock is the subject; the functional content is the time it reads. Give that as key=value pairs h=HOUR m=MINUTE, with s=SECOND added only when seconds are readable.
h=9 m=39
